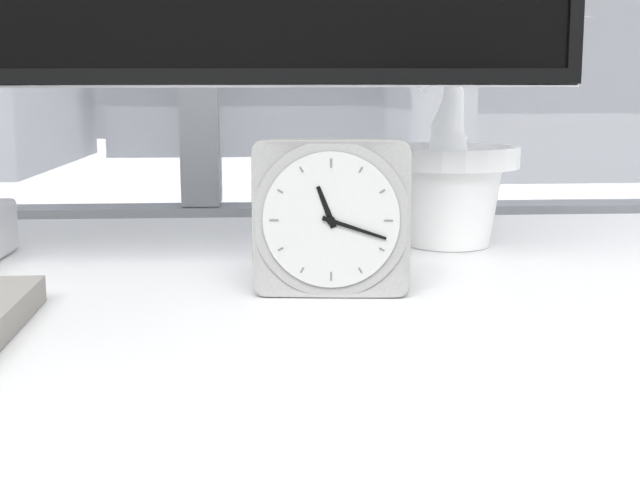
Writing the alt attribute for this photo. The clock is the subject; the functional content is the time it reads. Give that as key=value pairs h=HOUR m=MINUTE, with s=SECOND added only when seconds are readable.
h=11 m=18
